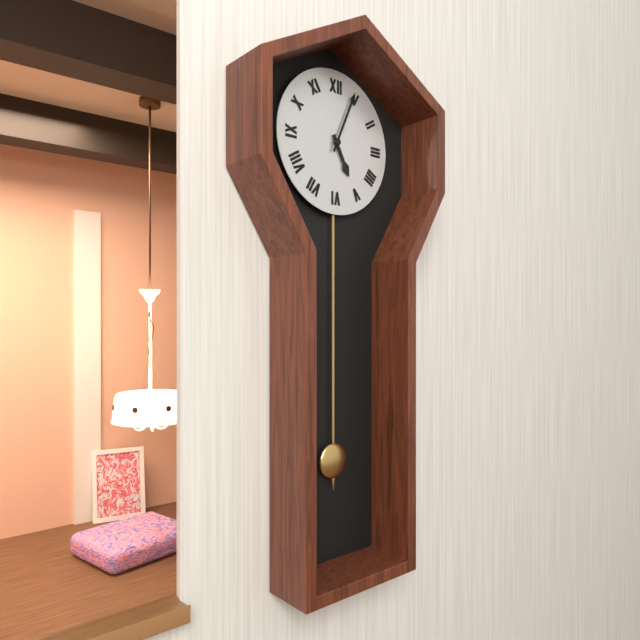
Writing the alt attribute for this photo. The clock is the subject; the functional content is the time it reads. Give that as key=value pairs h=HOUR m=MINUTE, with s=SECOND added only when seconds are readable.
h=5 m=4
